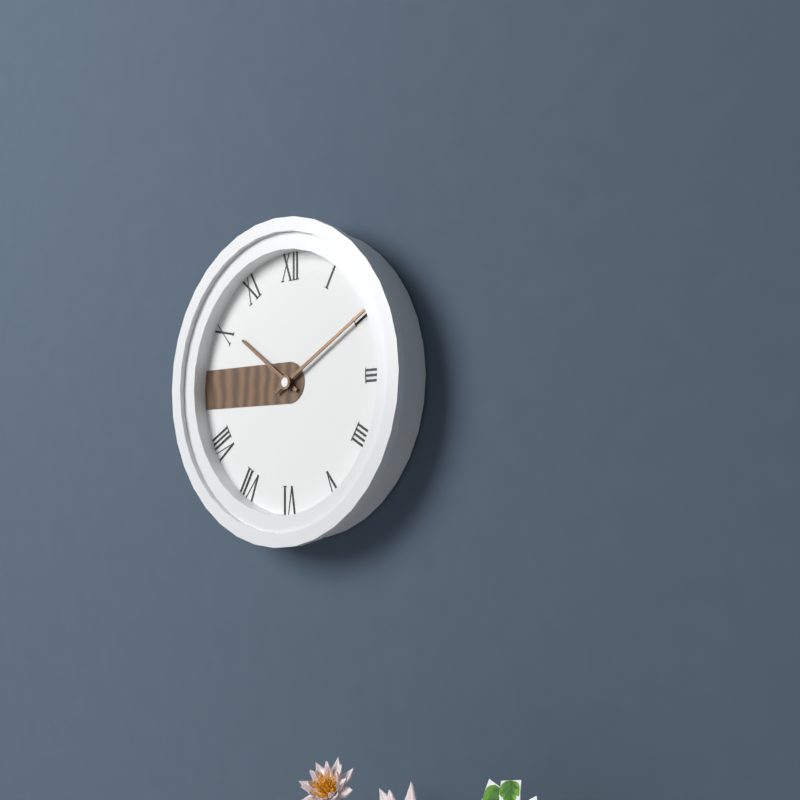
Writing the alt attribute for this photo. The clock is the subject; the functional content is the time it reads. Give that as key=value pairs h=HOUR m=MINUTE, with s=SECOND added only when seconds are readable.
h=10 m=10
